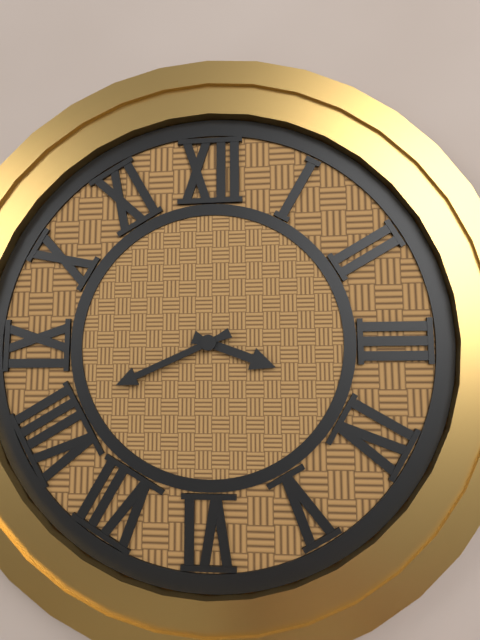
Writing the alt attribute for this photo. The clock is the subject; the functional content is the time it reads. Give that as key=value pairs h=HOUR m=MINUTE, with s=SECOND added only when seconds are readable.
h=3 m=41
